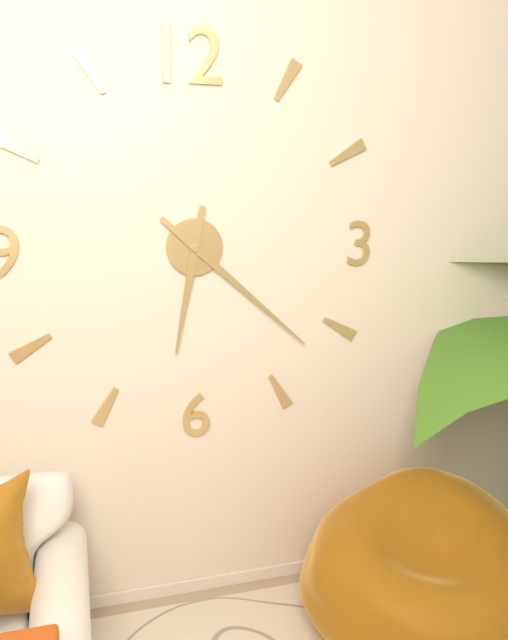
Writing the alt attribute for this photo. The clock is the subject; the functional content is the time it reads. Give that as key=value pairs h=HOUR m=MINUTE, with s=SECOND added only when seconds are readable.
h=6 m=22
